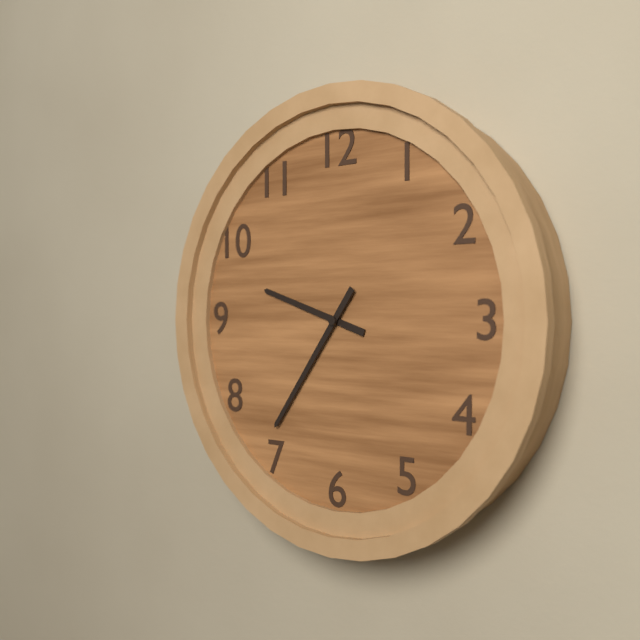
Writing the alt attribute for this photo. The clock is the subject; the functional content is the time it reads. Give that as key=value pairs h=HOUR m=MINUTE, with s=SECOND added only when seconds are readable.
h=9 m=36
